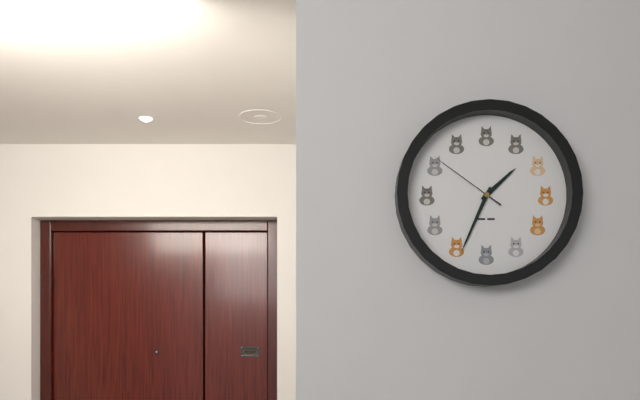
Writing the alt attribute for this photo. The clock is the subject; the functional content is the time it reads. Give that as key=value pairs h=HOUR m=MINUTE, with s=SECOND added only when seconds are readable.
h=1 m=34 s=51
